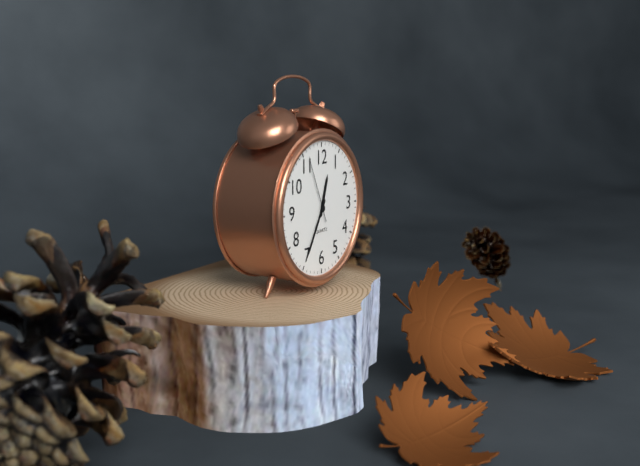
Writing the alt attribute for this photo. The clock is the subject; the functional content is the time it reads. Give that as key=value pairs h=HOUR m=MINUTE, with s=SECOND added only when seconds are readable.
h=12 m=35 s=56
